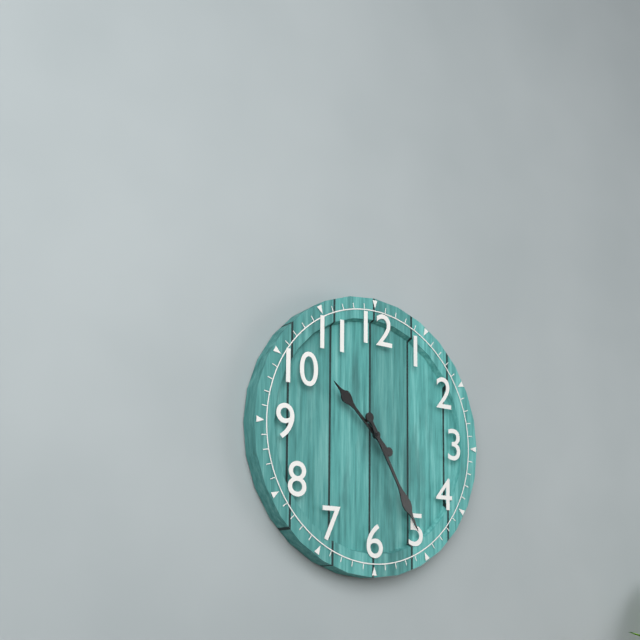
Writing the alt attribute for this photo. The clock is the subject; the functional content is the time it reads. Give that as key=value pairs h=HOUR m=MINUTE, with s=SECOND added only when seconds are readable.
h=10 m=25
